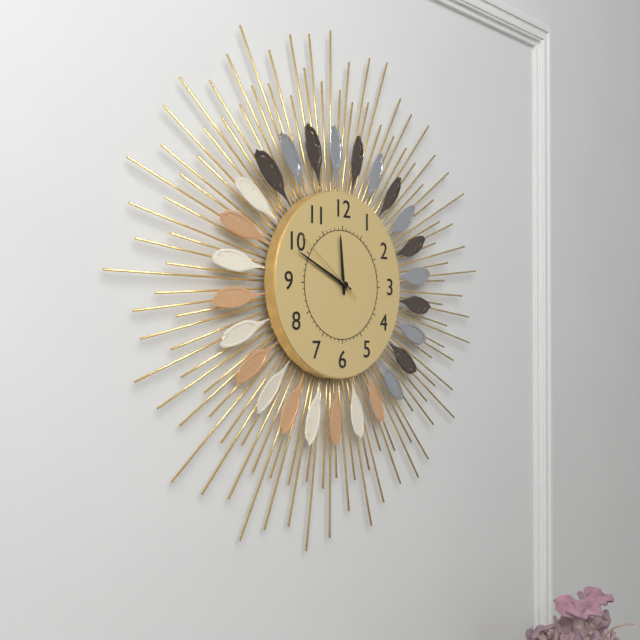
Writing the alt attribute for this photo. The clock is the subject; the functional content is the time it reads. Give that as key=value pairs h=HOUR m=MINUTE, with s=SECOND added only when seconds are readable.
h=11 m=49 s=51
